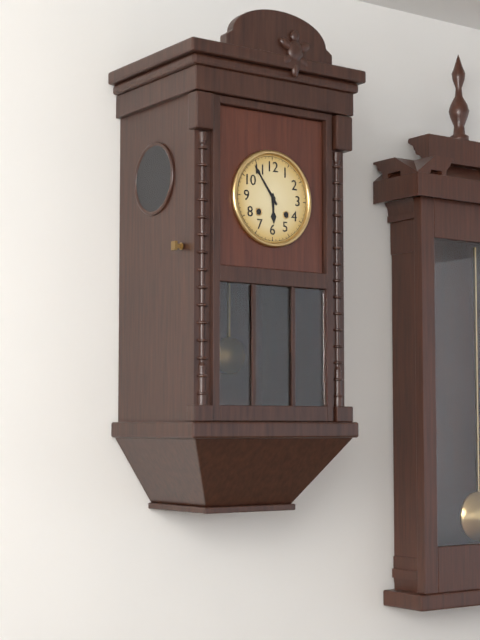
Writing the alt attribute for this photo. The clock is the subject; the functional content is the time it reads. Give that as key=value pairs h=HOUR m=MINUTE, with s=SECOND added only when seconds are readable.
h=5 m=54
